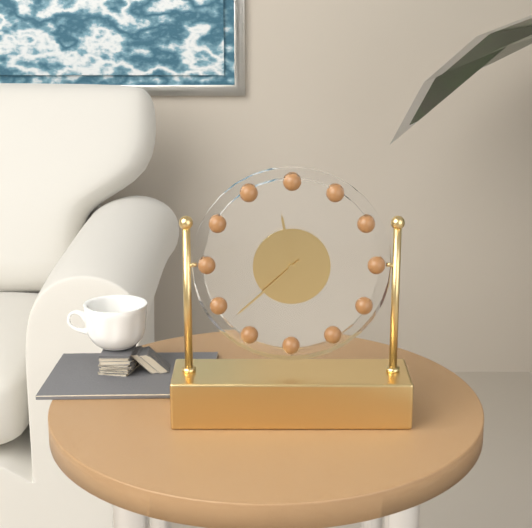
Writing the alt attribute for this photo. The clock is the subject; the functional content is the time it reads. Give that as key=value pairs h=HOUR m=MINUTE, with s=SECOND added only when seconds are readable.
h=11 m=38
